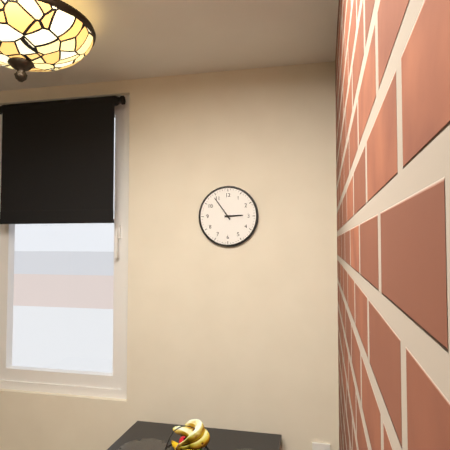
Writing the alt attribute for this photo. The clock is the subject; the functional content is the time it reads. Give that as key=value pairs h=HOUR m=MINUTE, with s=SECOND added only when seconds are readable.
h=2 m=54
